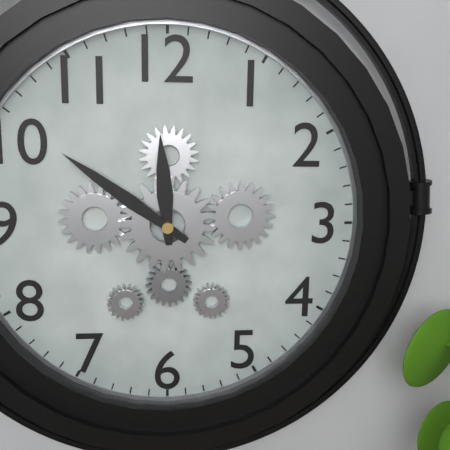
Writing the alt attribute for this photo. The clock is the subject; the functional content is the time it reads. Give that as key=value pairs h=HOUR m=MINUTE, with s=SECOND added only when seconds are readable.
h=11 m=51
